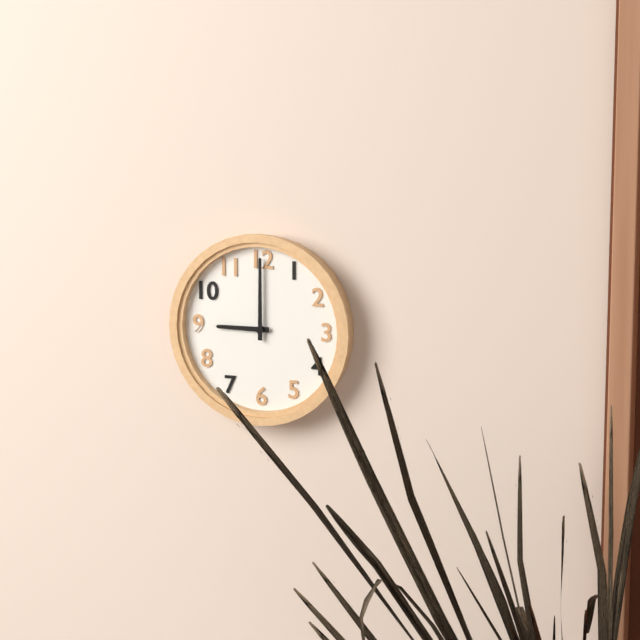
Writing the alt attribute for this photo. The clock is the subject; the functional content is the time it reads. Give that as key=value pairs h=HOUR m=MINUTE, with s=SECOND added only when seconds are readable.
h=9 m=0
